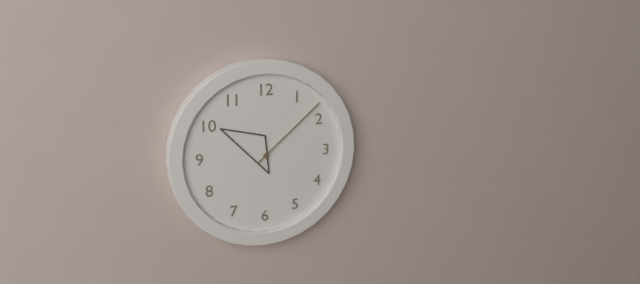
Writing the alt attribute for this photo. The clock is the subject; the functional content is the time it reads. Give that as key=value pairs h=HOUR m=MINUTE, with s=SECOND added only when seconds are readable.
h=10 m=8
